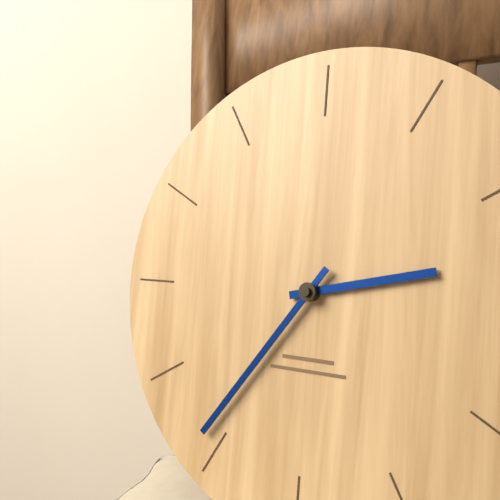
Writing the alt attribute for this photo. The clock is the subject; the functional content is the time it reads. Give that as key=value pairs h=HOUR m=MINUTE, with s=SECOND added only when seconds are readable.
h=2 m=36
